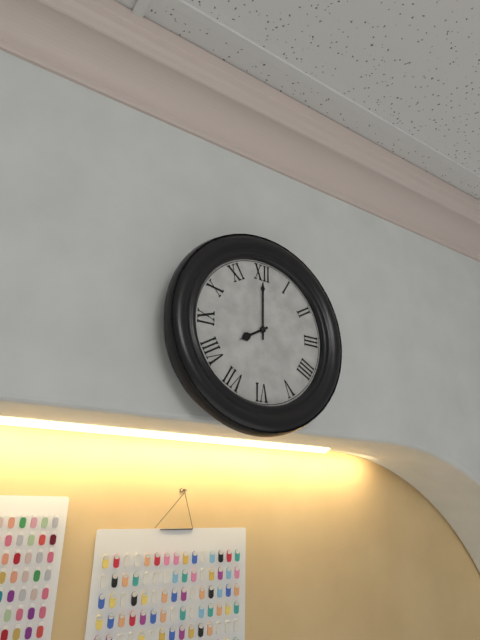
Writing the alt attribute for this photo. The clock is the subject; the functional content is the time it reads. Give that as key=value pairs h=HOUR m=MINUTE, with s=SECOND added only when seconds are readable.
h=8 m=0
